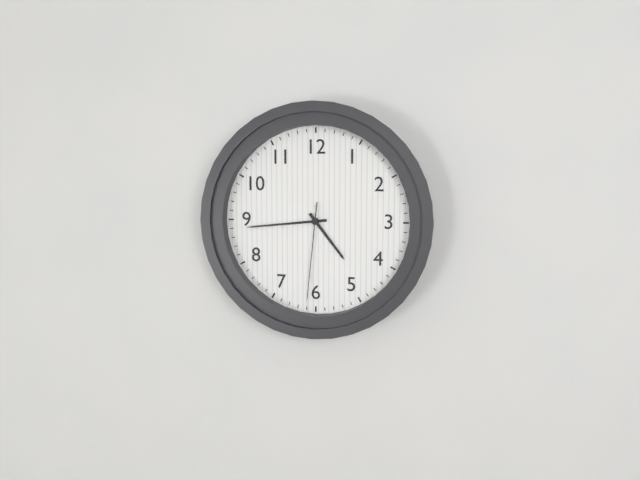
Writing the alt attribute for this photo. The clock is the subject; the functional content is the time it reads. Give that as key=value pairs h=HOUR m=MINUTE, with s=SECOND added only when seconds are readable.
h=4 m=44 s=31
